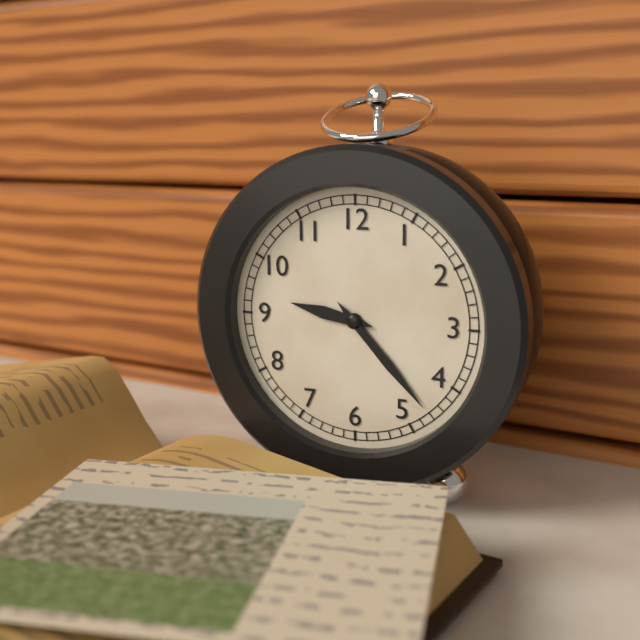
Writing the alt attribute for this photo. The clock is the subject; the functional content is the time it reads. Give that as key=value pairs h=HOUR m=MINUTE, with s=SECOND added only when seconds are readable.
h=9 m=23
